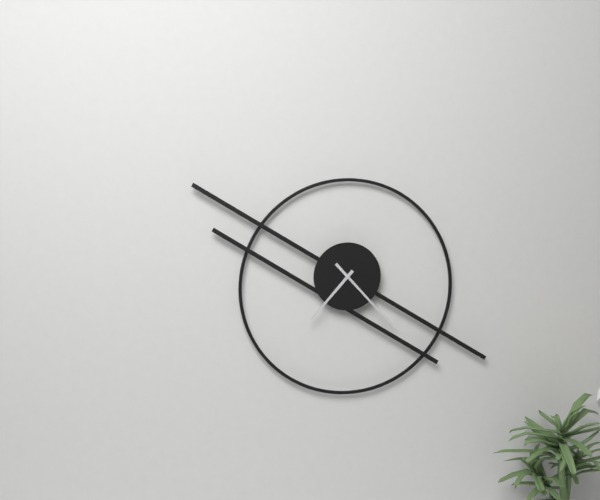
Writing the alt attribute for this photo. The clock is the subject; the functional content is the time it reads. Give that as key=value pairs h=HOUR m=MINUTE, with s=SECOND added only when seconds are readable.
h=7 m=23
